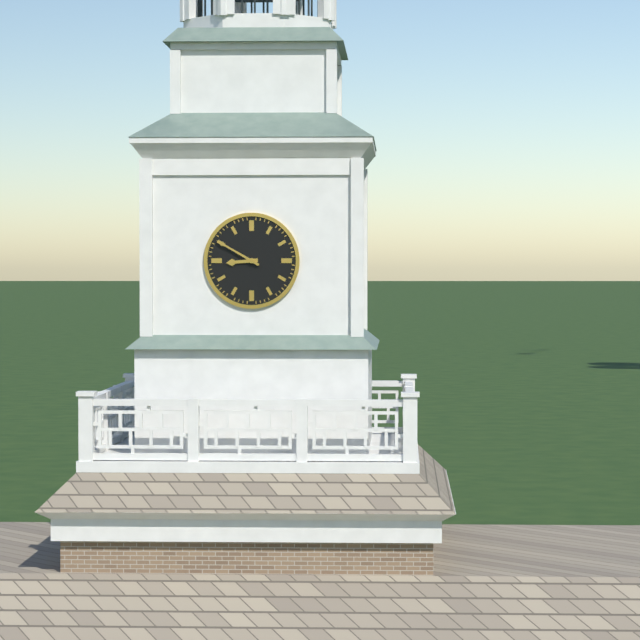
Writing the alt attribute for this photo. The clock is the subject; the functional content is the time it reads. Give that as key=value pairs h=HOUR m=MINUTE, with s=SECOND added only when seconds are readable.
h=8 m=50
